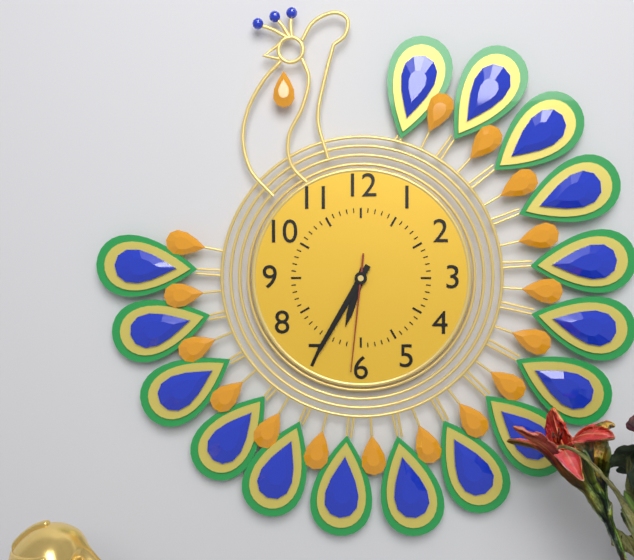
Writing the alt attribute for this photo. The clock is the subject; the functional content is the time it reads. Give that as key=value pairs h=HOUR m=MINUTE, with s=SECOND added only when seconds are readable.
h=6 m=35 s=31
